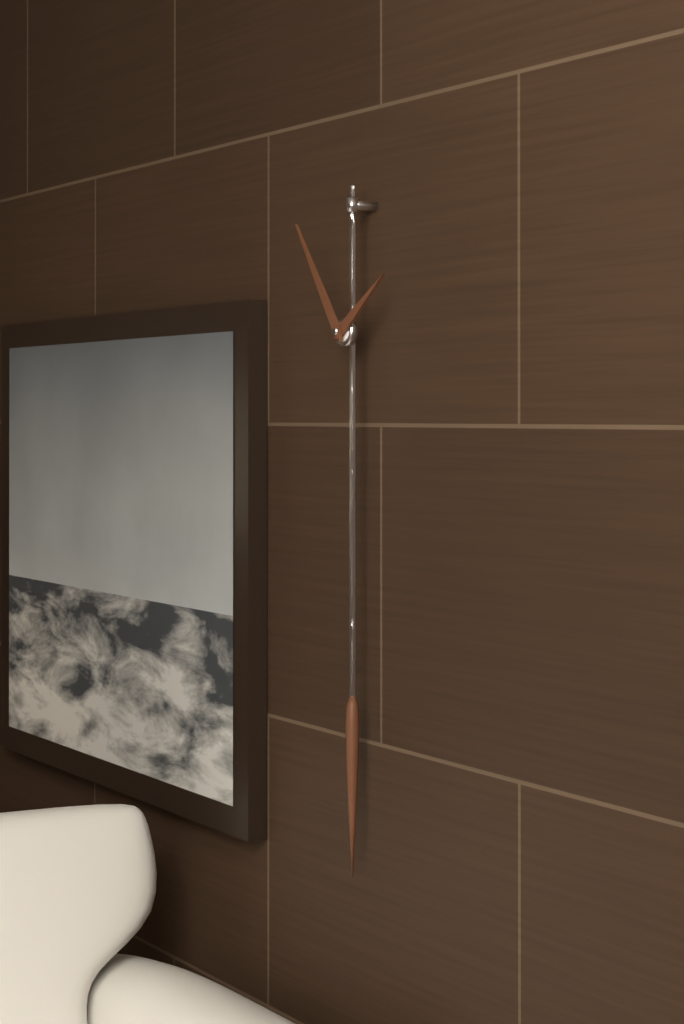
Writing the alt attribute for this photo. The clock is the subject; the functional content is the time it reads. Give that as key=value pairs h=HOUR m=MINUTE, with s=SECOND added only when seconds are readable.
h=1 m=54
